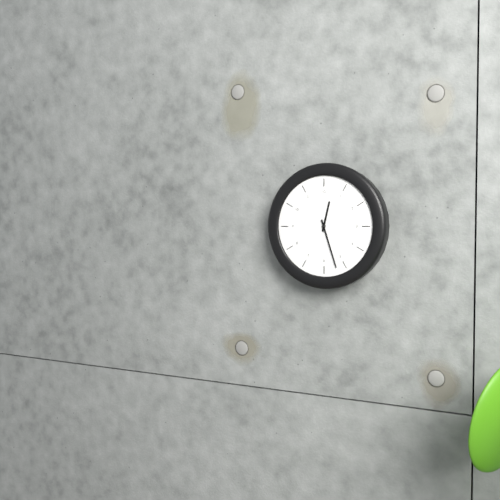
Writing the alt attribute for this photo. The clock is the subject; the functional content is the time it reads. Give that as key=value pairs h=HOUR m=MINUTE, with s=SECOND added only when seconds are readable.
h=12 m=27
